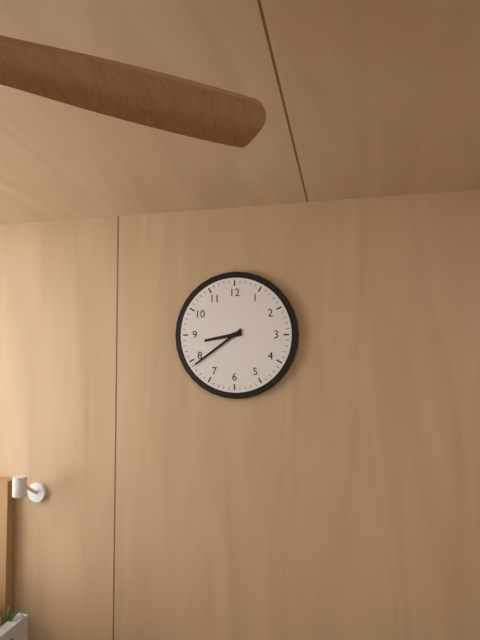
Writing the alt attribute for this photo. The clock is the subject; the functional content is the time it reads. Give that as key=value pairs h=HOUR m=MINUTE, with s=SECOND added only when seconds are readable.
h=8 m=39
